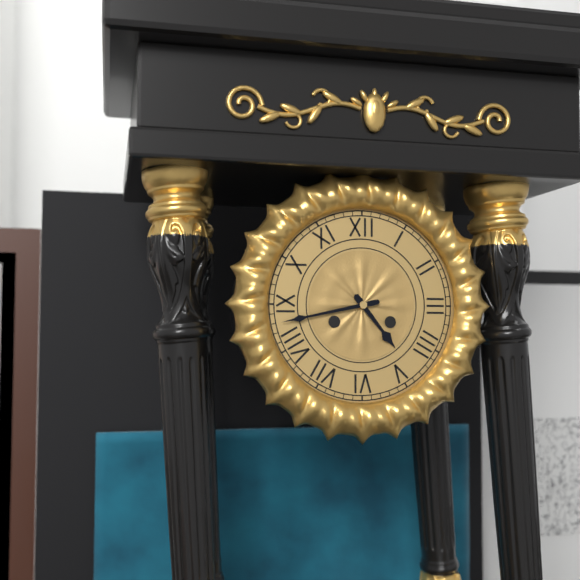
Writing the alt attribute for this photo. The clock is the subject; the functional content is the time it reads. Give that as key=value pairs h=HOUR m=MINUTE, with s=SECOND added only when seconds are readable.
h=4 m=43
